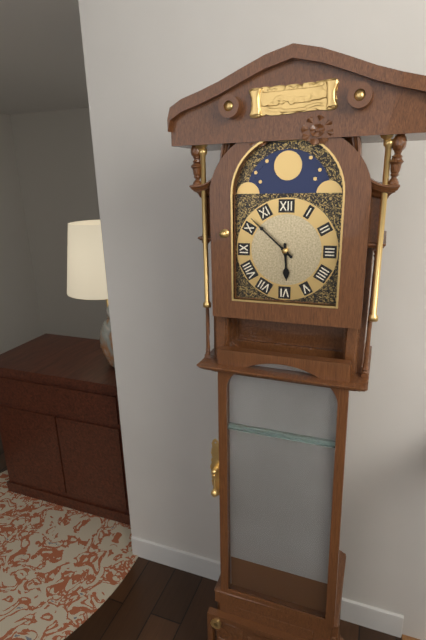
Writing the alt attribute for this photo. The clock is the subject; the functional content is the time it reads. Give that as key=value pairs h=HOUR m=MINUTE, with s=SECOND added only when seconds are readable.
h=5 m=52
